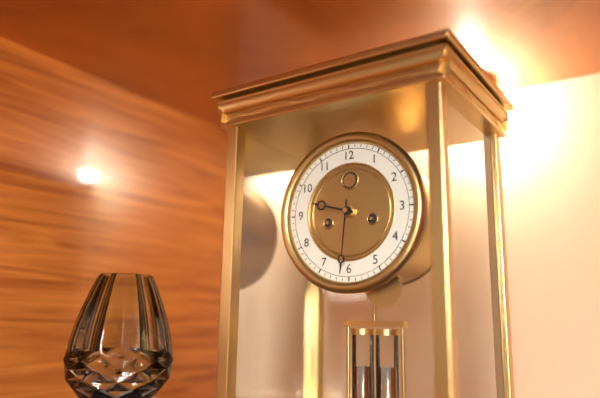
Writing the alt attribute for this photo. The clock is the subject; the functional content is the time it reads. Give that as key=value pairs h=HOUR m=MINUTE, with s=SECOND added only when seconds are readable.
h=9 m=31
